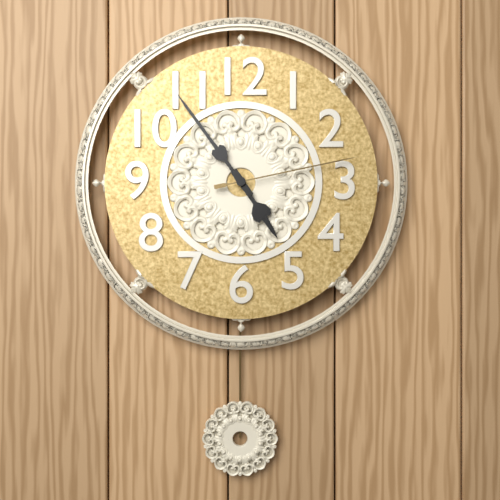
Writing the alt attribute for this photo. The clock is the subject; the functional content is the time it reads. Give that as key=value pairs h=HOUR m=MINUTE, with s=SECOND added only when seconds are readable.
h=4 m=54 s=13
